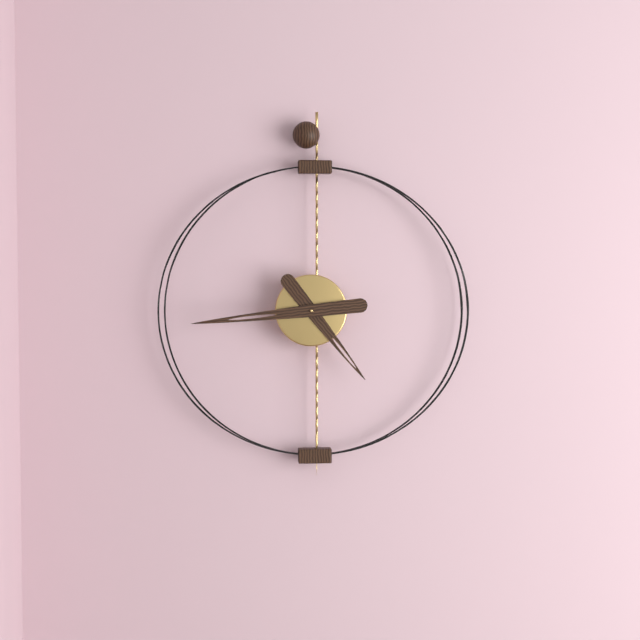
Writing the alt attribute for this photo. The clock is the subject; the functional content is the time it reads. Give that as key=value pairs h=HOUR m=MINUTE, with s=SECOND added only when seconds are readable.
h=4 m=44
